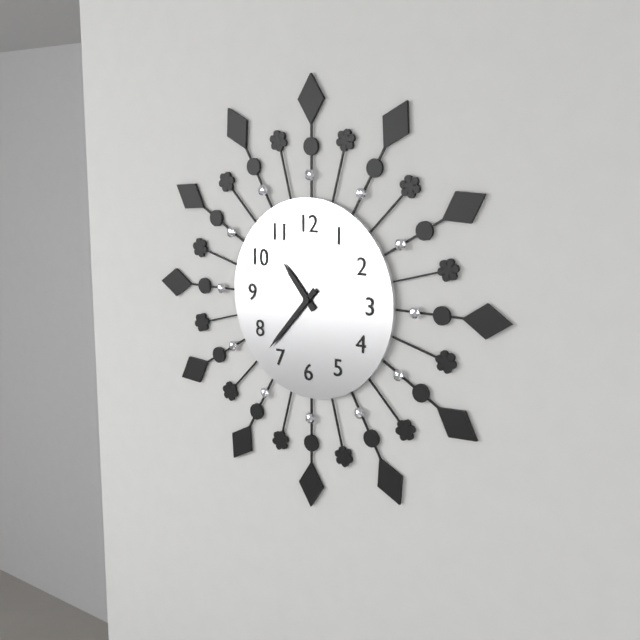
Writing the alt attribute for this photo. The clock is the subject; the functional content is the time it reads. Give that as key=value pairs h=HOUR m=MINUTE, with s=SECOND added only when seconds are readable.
h=10 m=37
